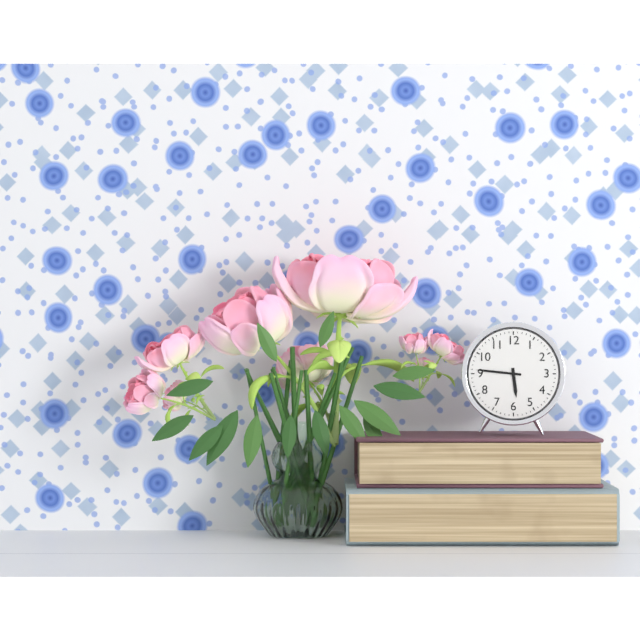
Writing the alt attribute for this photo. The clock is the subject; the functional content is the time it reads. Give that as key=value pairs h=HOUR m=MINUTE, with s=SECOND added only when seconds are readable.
h=5 m=46
